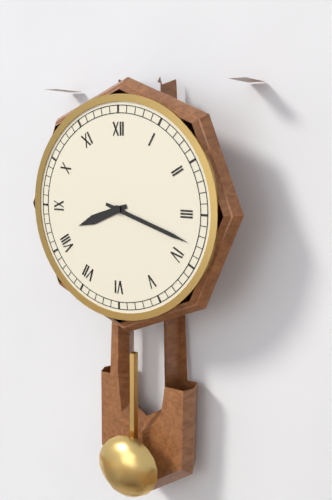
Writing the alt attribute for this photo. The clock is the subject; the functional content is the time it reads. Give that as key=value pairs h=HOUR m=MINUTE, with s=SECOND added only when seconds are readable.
h=8 m=18
